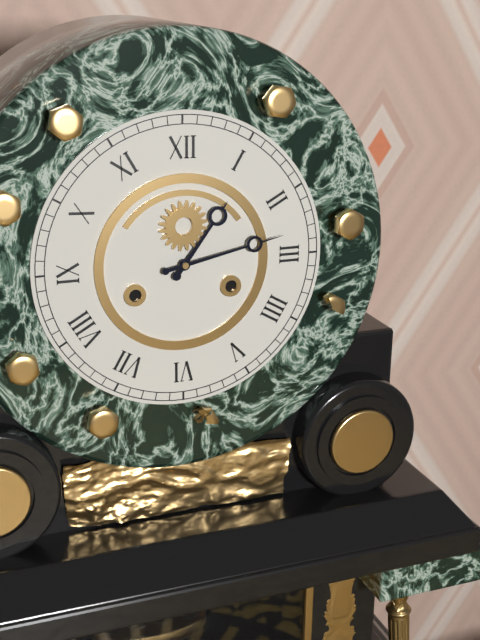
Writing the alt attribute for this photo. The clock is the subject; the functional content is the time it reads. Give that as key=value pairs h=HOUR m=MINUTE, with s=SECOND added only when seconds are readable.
h=1 m=13
